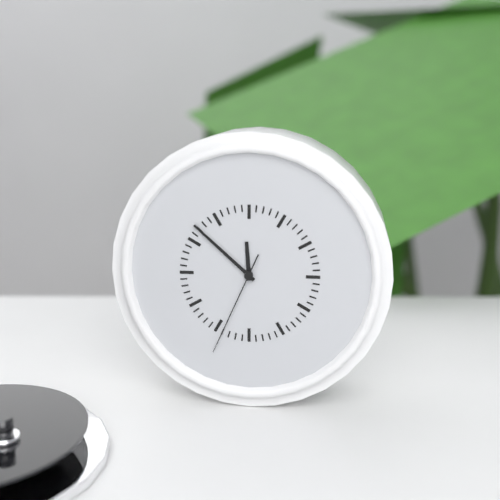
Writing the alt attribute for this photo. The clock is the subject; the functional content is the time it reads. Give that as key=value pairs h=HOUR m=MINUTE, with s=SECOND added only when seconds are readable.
h=11 m=52 s=34
